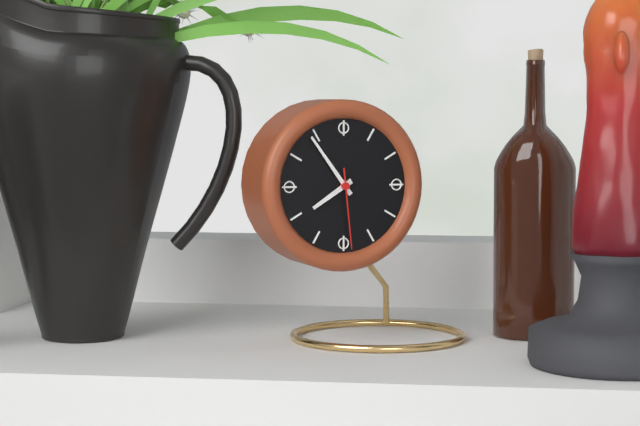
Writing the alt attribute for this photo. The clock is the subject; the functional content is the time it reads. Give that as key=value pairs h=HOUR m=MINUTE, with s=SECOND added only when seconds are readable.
h=7 m=54 s=29
